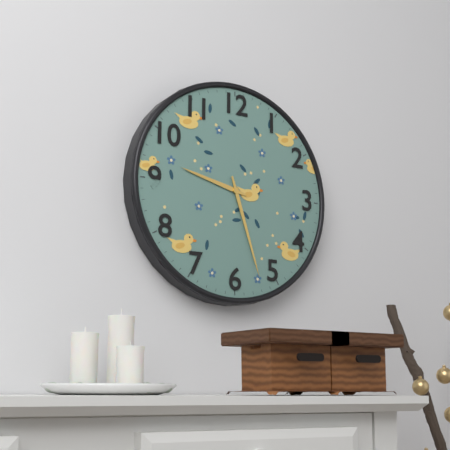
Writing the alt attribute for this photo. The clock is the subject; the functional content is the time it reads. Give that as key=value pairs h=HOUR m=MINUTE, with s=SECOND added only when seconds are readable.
h=9 m=27
